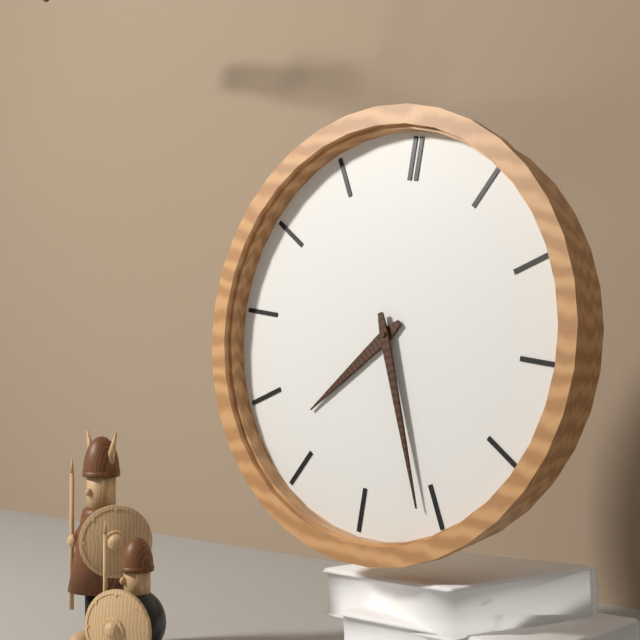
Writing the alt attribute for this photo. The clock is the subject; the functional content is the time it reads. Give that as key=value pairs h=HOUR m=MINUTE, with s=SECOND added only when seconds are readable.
h=7 m=26
